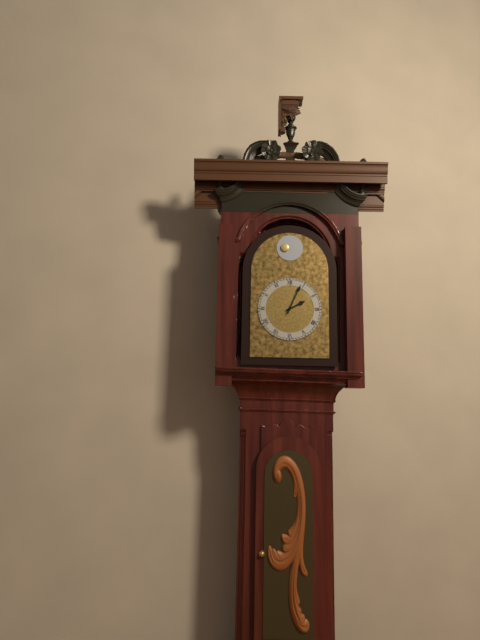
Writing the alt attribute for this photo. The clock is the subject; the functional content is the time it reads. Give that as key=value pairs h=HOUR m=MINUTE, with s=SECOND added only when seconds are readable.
h=2 m=4
